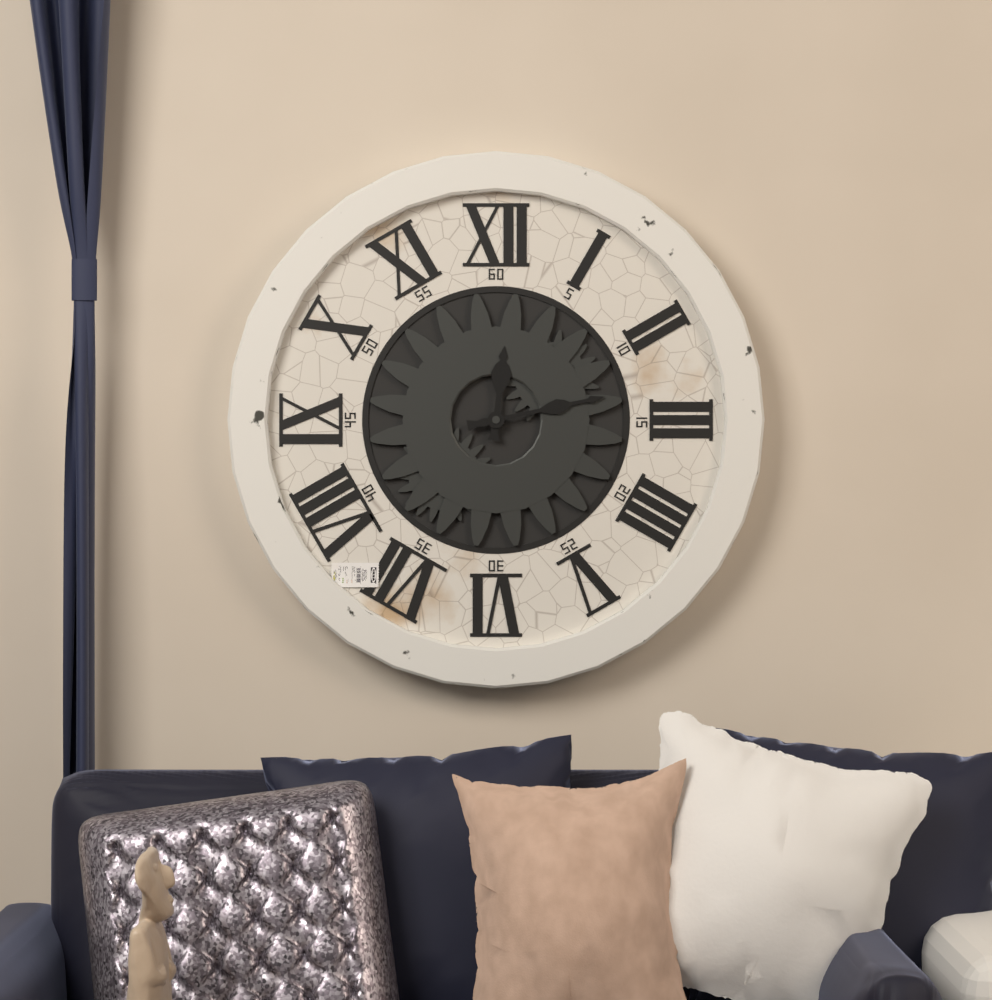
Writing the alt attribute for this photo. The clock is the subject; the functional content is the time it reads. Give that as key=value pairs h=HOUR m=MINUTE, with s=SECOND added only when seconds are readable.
h=12 m=13
